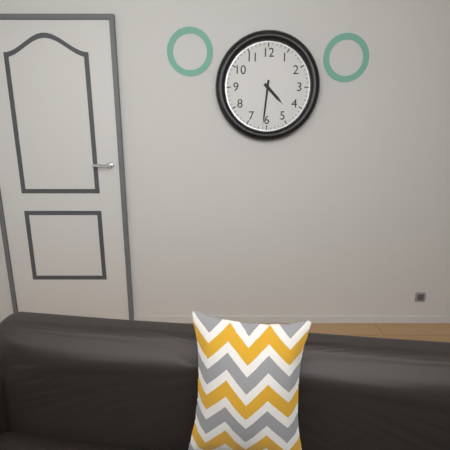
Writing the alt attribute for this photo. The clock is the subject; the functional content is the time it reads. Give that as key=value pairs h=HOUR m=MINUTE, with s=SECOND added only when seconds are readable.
h=4 m=31
